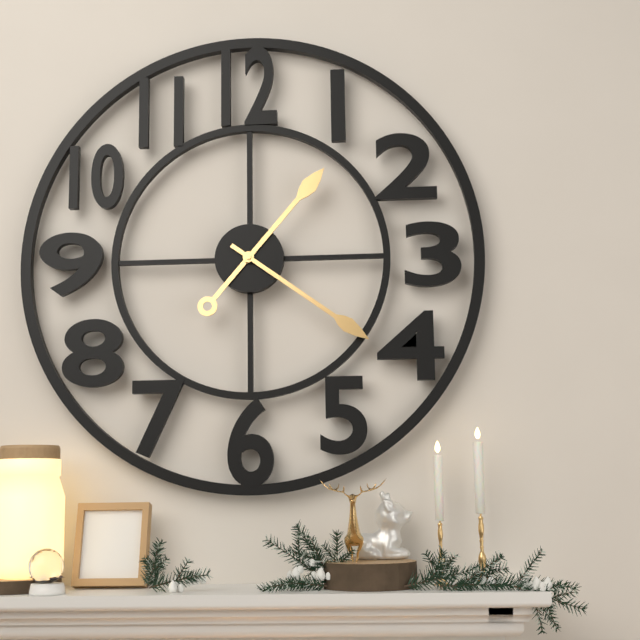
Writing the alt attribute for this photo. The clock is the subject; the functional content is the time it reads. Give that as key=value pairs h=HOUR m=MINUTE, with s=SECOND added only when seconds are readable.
h=1 m=21
